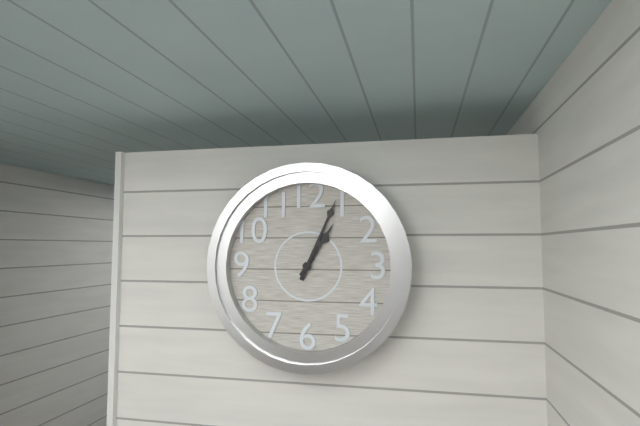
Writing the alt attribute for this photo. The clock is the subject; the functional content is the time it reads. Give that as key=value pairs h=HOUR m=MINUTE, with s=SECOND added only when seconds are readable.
h=1 m=4
